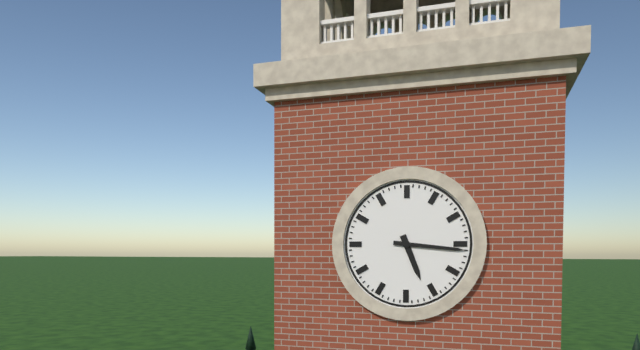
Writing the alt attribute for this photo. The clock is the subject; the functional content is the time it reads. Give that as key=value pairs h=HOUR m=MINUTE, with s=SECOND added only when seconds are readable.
h=5 m=16
